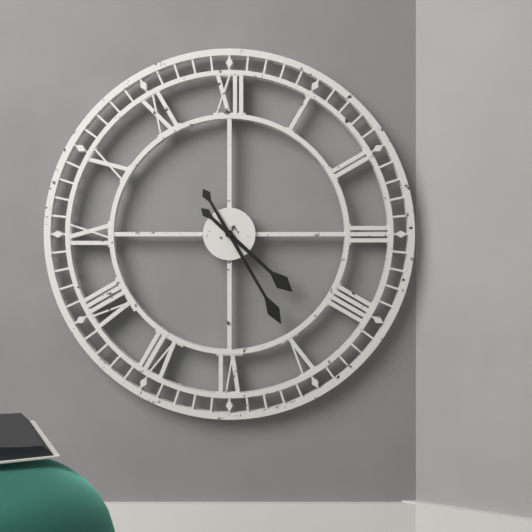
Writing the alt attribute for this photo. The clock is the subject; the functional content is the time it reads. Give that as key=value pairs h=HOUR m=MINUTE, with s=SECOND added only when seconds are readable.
h=4 m=25
